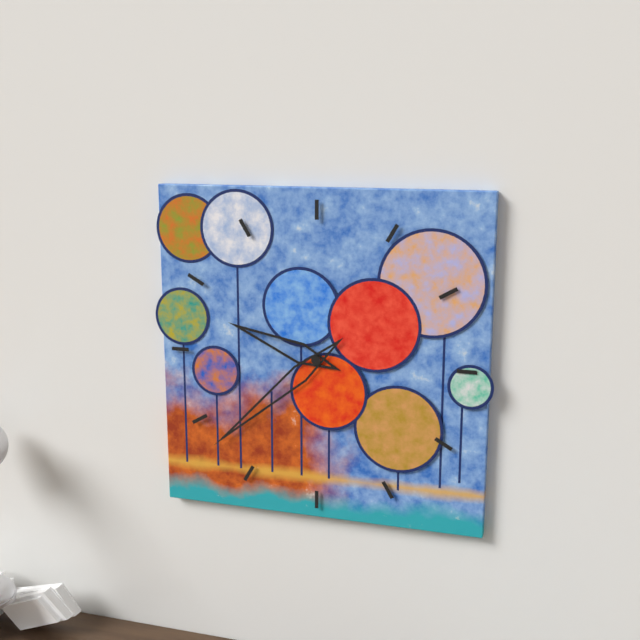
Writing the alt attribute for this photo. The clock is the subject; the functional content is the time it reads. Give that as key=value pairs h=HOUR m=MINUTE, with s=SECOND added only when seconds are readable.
h=9 m=38
